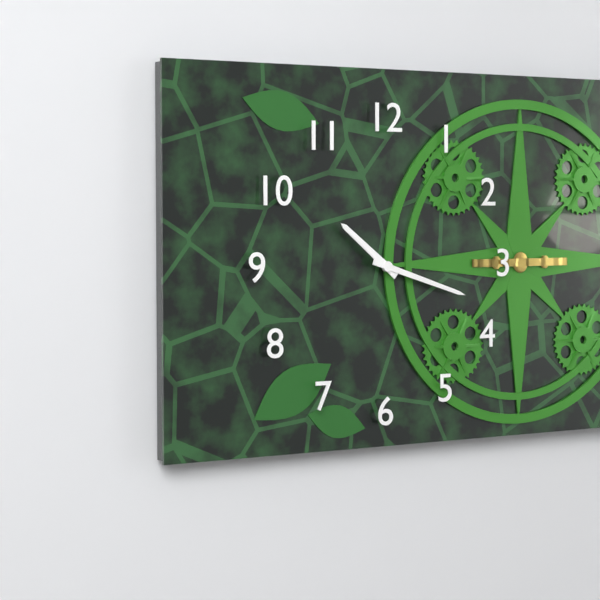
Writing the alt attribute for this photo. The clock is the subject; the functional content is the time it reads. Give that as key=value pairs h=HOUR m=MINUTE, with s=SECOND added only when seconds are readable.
h=10 m=18
